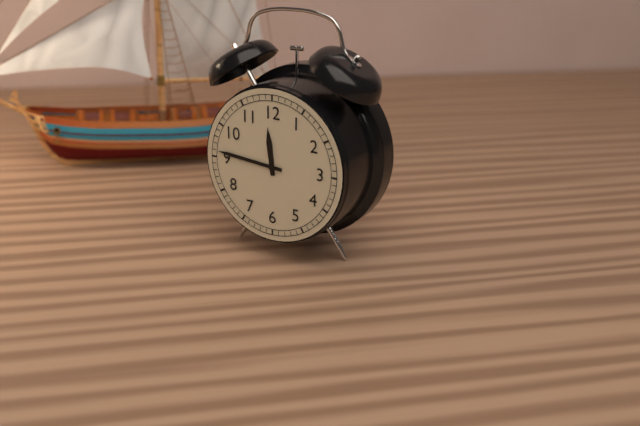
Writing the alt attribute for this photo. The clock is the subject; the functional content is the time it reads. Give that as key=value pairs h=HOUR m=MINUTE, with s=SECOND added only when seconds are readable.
h=11 m=46
